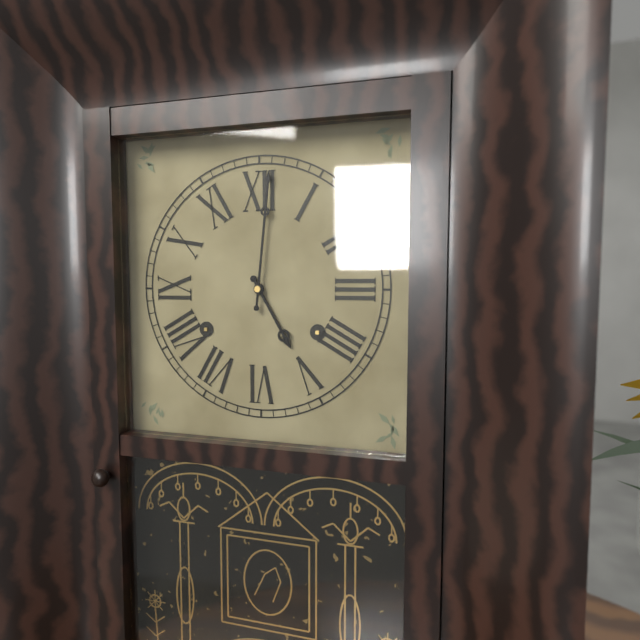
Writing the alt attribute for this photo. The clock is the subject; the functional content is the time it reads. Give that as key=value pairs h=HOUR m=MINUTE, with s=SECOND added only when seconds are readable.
h=5 m=1
